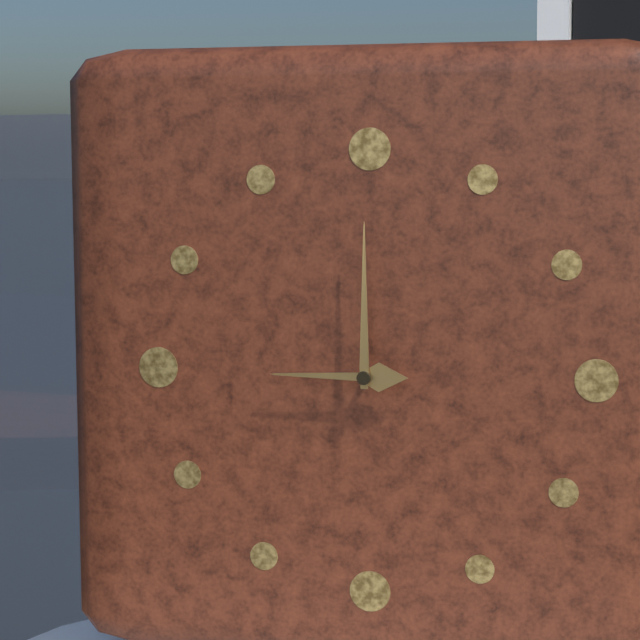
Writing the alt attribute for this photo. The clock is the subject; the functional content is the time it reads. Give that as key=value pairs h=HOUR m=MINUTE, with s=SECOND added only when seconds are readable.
h=9 m=0
